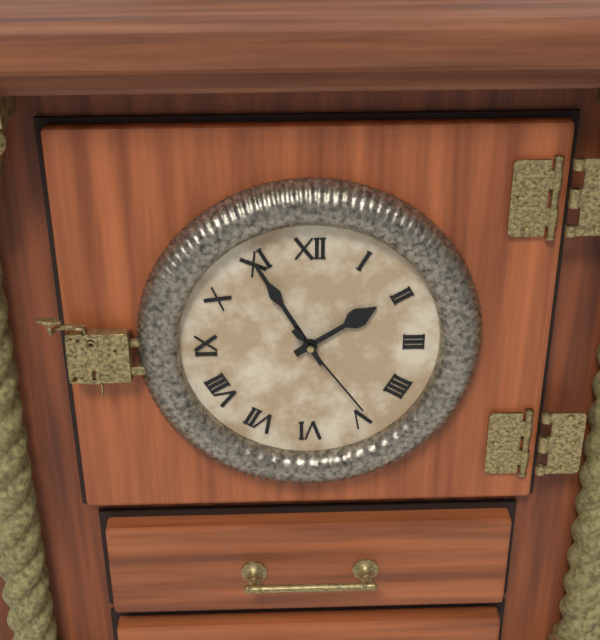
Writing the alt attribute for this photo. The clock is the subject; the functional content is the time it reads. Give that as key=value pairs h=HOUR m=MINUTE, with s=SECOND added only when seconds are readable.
h=1 m=55 s=24
